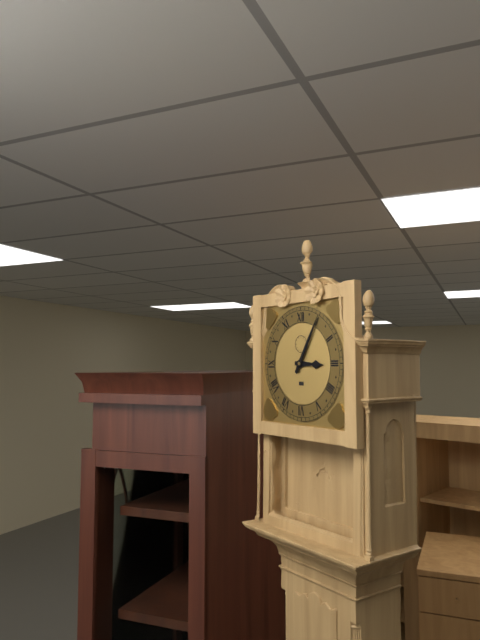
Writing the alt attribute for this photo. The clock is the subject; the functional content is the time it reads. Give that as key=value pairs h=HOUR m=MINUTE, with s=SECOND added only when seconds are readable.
h=3 m=5
